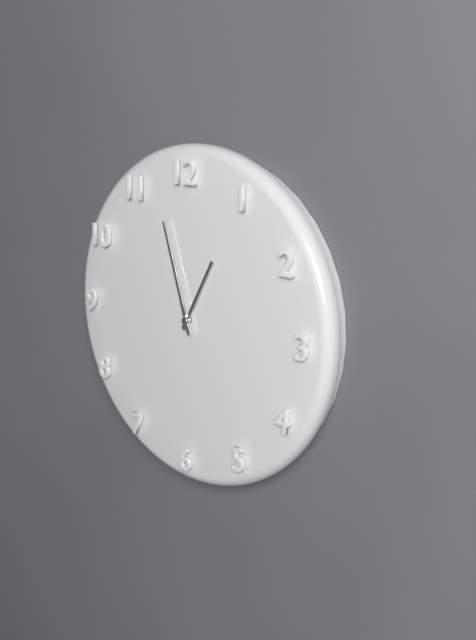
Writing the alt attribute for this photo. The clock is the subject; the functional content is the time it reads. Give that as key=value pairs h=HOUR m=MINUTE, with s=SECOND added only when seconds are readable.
h=12 m=57
